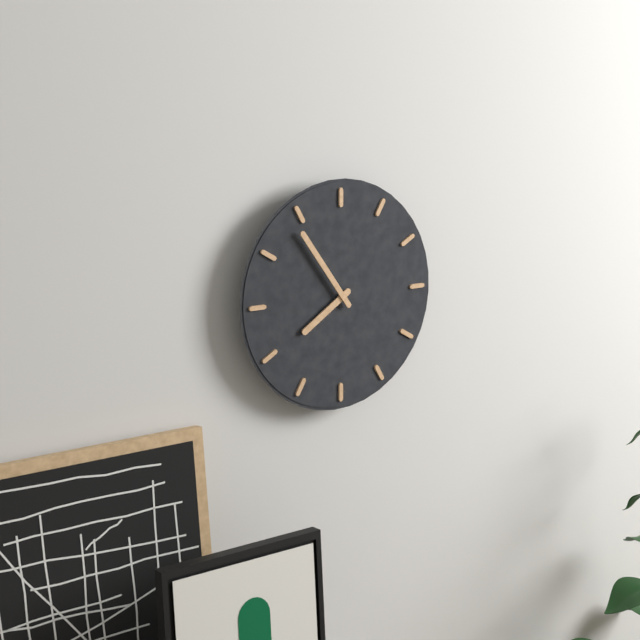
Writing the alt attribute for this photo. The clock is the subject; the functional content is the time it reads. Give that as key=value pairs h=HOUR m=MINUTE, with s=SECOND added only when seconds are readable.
h=7 m=54
